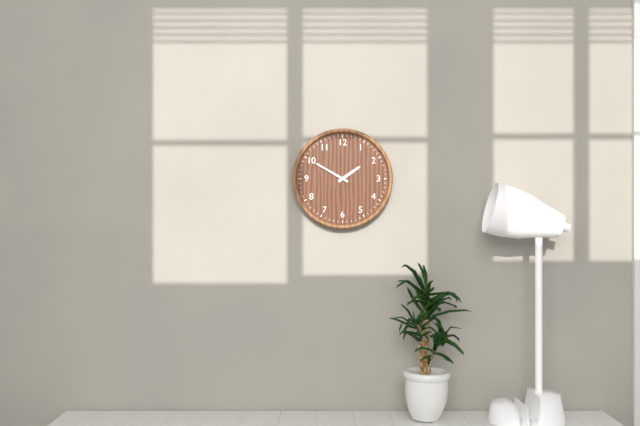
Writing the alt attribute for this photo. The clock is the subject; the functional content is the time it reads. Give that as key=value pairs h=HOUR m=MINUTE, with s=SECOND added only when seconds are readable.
h=1 m=50
